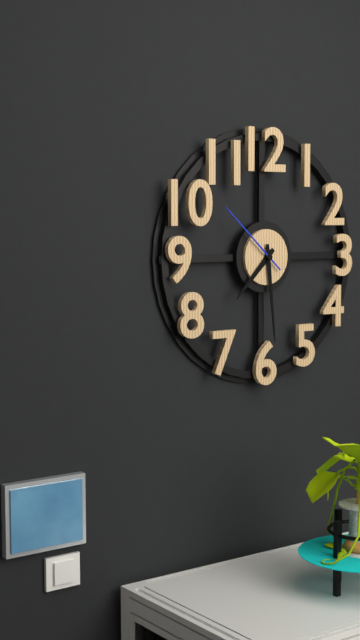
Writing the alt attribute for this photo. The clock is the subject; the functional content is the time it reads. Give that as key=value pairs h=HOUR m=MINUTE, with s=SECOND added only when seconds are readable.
h=7 m=29 s=52
